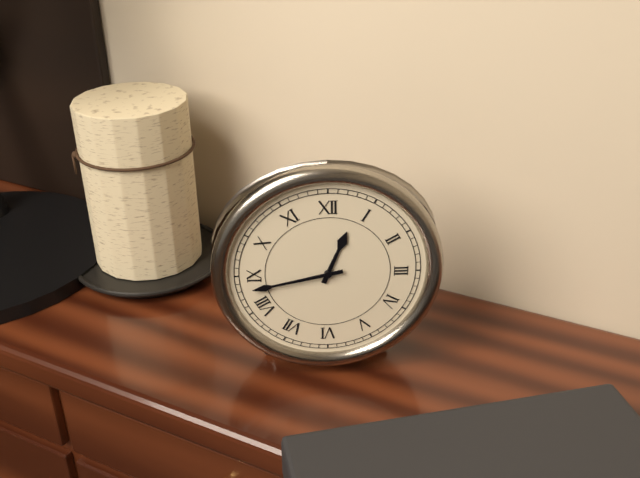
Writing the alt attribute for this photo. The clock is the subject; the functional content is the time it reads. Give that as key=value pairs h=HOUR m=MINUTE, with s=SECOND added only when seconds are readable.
h=12 m=43
